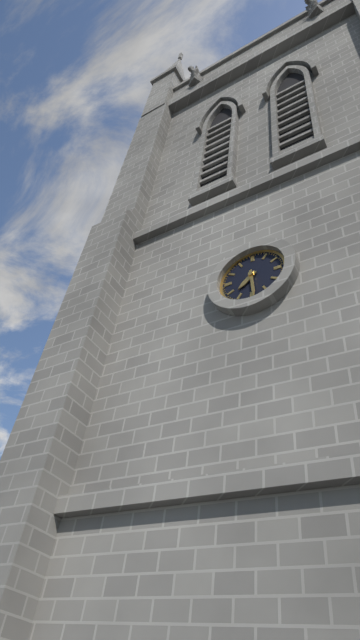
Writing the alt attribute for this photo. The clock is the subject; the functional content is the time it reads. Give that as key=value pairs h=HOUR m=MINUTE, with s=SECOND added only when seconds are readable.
h=7 m=29
